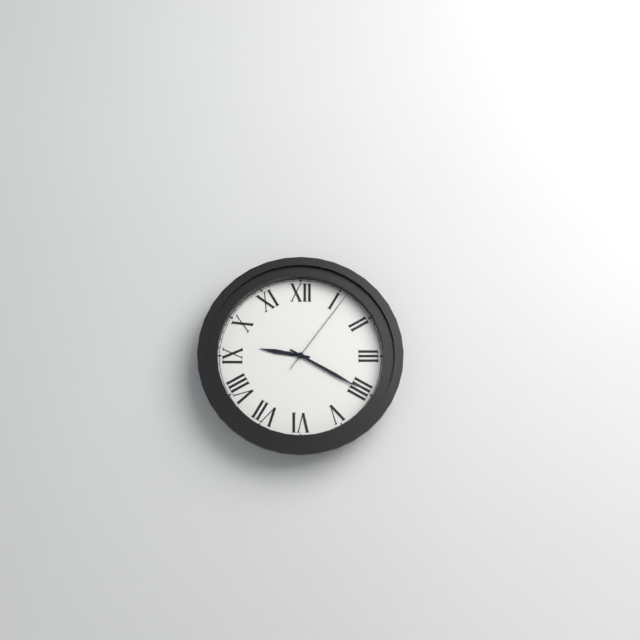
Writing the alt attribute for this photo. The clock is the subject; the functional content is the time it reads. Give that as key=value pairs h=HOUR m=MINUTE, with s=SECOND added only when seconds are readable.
h=9 m=20 s=6
